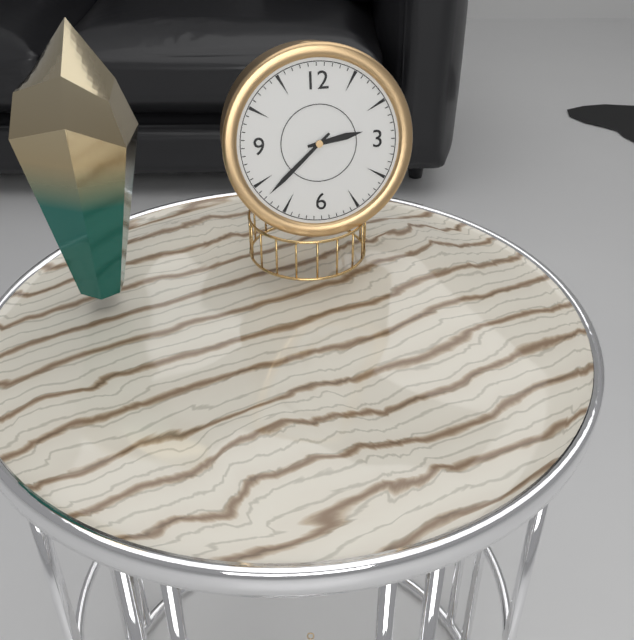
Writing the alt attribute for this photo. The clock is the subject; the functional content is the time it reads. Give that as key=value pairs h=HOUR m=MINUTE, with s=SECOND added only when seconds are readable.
h=2 m=38
